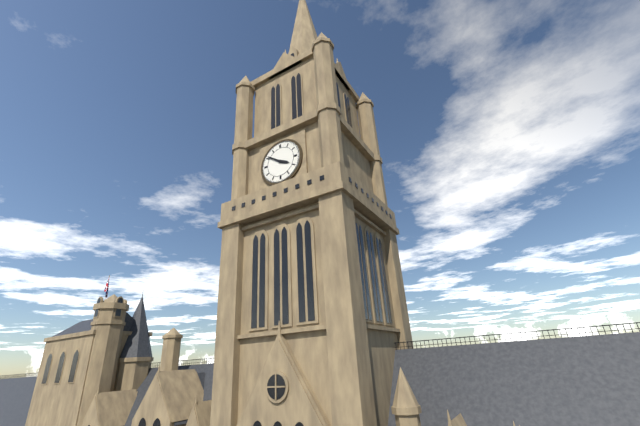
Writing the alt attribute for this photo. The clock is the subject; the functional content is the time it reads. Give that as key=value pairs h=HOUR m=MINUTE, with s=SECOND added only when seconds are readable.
h=3 m=51
